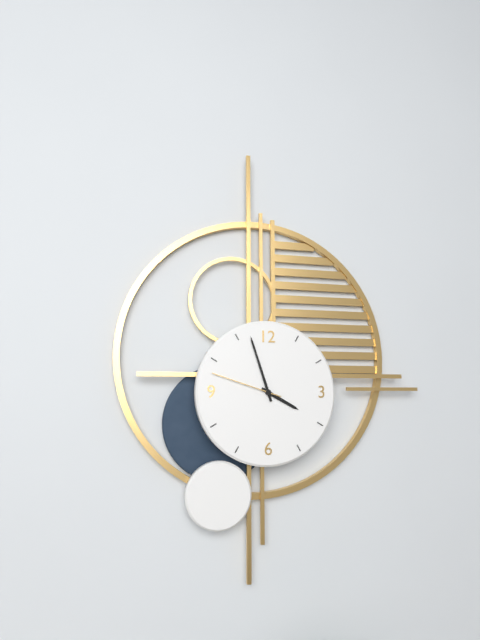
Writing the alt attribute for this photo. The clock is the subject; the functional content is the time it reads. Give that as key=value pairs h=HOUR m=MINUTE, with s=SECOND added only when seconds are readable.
h=3 m=57 s=48
